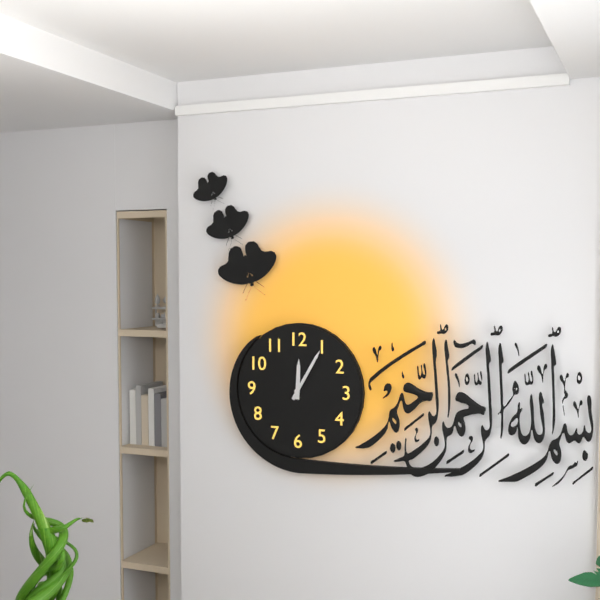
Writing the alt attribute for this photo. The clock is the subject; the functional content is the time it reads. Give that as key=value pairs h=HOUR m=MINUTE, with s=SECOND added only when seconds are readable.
h=12 m=5
